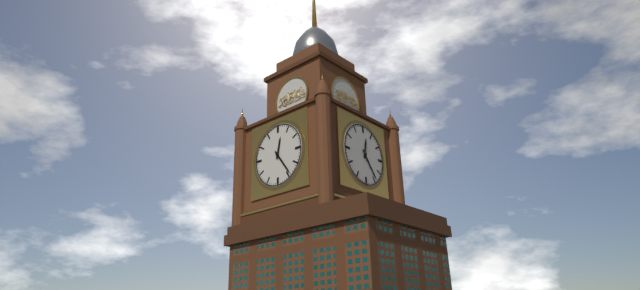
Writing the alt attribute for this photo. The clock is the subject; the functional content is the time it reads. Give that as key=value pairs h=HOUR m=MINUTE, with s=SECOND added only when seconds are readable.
h=12 m=24
